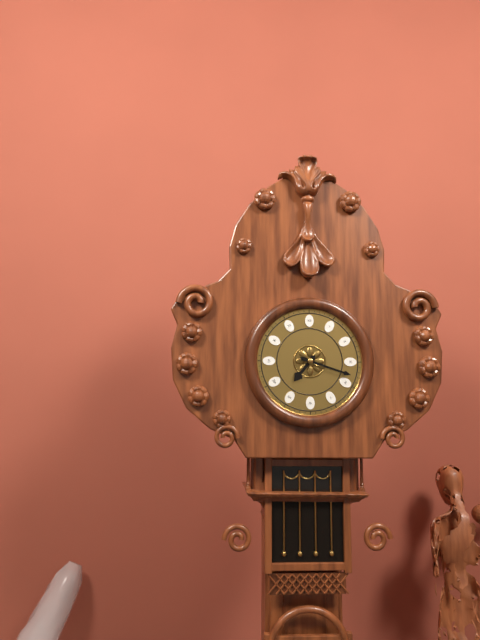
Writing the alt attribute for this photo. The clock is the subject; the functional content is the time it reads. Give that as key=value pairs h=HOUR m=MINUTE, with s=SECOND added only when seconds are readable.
h=7 m=18
